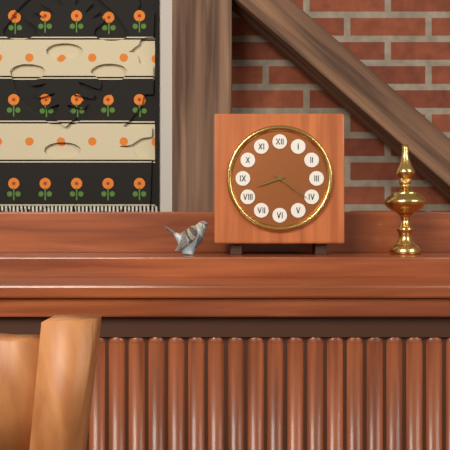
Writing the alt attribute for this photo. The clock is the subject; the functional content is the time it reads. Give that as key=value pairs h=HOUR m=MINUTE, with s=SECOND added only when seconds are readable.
h=8 m=21
